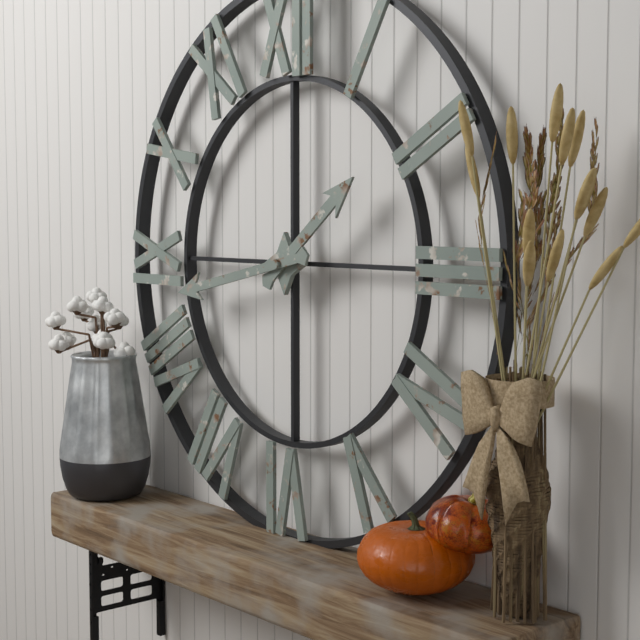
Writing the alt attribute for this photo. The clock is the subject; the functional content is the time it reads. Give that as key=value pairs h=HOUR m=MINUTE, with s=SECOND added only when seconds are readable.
h=1 m=43
